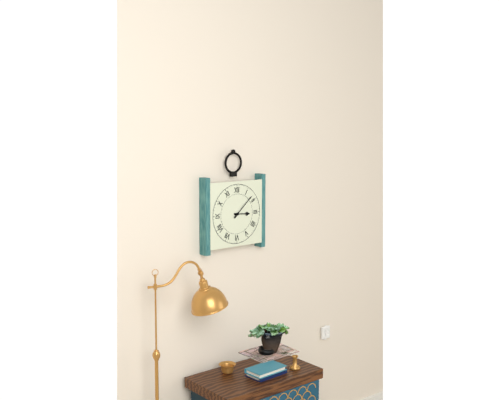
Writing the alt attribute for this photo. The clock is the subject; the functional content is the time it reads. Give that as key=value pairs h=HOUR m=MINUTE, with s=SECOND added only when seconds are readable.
h=3 m=8
